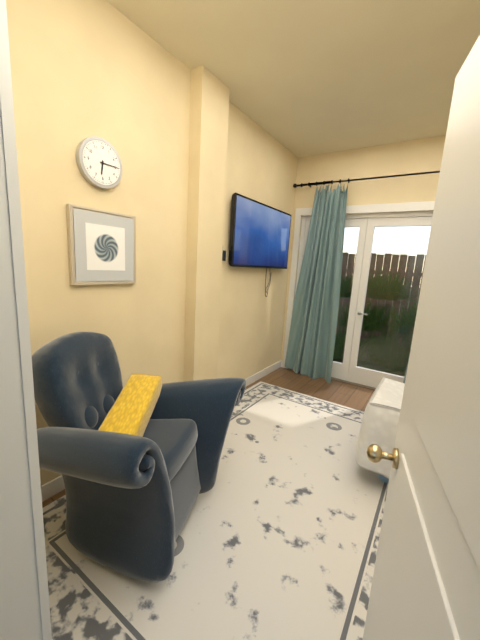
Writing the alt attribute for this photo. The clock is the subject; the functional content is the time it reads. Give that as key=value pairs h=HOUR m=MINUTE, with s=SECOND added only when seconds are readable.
h=6 m=15
